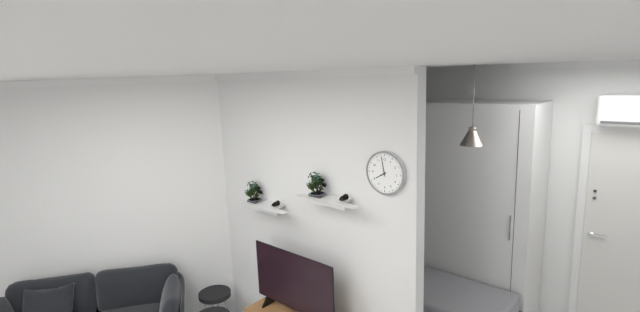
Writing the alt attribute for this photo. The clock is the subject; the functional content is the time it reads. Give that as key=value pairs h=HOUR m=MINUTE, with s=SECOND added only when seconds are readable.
h=7 m=58
